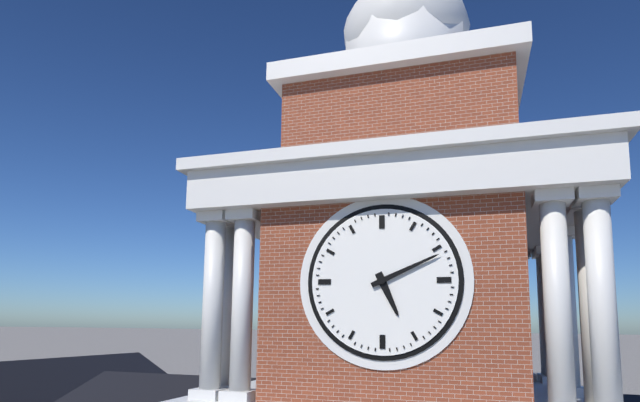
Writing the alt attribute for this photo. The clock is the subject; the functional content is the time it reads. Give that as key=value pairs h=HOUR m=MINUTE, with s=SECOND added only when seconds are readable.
h=5 m=11
